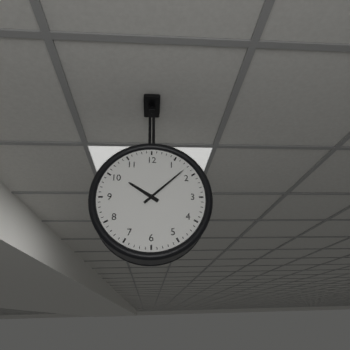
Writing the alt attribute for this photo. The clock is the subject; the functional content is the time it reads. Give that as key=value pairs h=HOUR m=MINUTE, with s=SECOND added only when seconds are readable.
h=10 m=8
